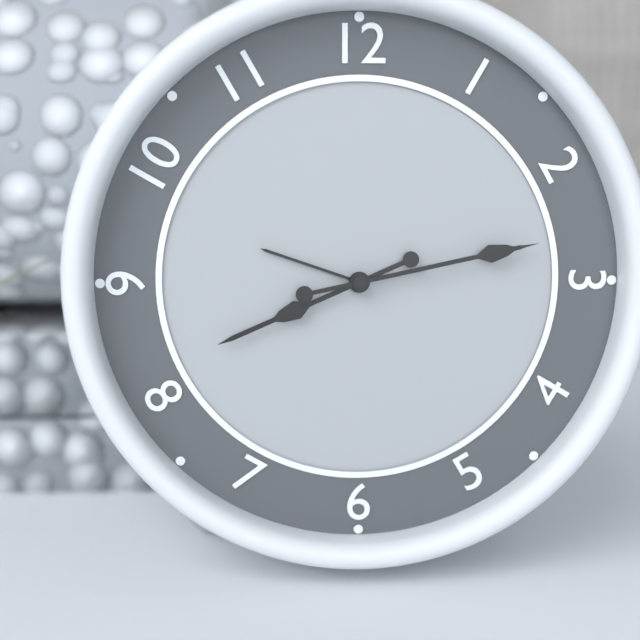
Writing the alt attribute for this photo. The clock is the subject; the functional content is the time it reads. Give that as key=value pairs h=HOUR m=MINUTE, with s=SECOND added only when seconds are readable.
h=8 m=13
